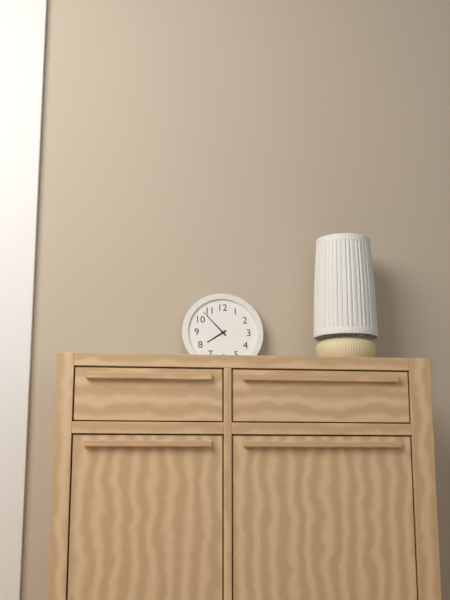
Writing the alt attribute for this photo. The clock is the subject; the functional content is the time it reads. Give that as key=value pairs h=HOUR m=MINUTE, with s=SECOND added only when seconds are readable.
h=7 m=53
